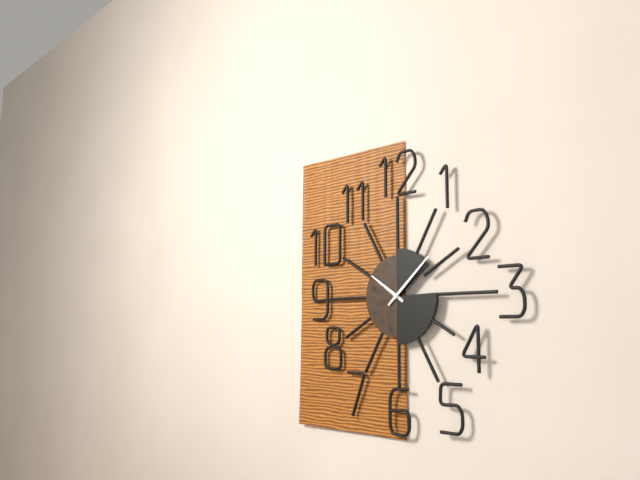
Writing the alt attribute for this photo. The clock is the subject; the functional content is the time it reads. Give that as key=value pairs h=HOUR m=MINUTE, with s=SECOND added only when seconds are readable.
h=10 m=8
